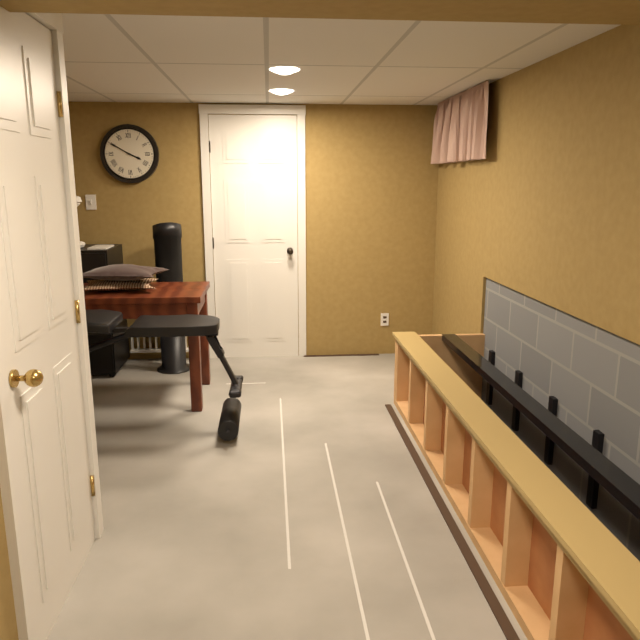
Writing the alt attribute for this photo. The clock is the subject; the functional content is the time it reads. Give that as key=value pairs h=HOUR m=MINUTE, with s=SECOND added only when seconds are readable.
h=3 m=50
